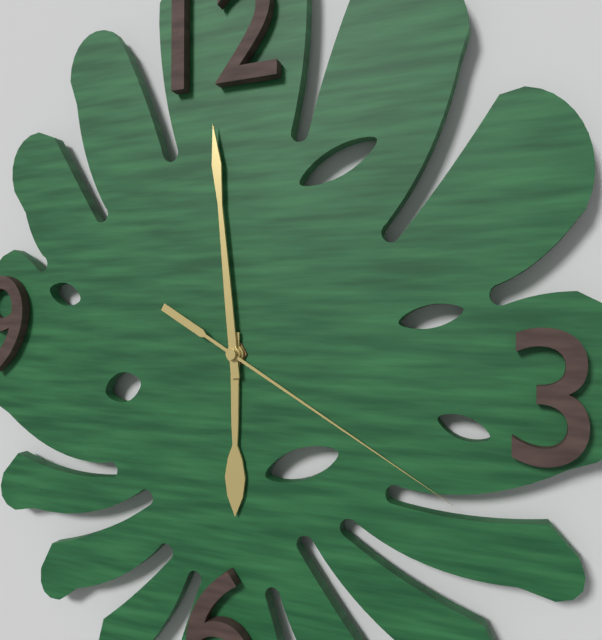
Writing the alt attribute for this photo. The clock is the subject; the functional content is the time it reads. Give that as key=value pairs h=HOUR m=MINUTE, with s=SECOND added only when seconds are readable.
h=5 m=59 s=20
